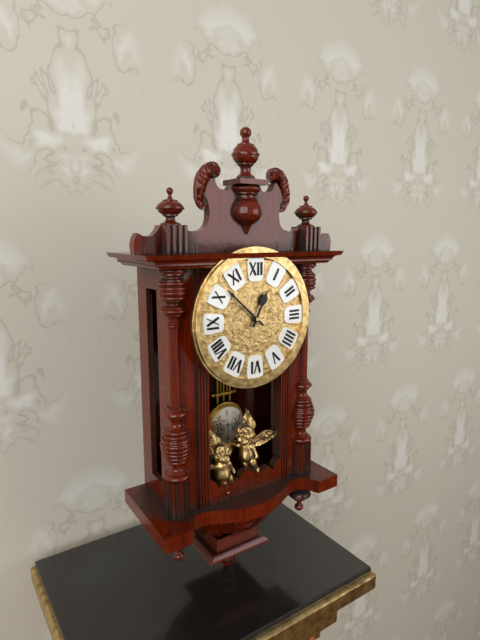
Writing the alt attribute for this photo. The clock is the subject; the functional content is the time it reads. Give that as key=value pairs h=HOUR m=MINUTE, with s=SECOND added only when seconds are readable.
h=12 m=52
